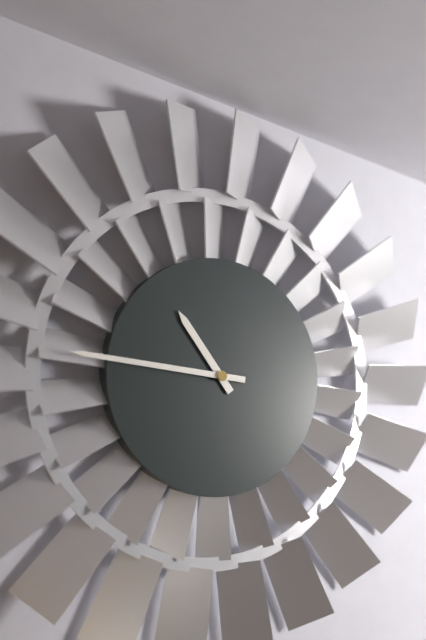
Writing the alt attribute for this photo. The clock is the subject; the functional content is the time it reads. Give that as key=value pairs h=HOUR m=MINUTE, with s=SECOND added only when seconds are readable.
h=10 m=46
